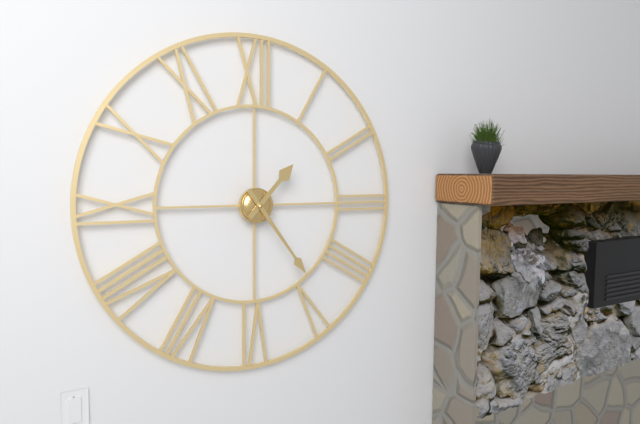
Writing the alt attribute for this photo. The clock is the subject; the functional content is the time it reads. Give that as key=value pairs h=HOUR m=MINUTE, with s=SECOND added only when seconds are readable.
h=1 m=24
